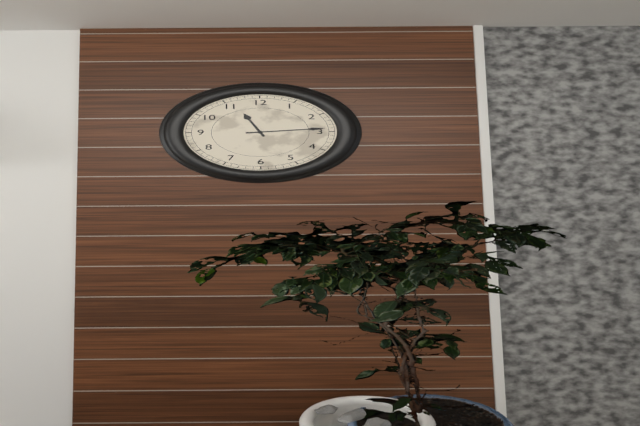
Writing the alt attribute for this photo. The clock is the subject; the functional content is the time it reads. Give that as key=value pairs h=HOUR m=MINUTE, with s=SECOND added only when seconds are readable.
h=11 m=14
